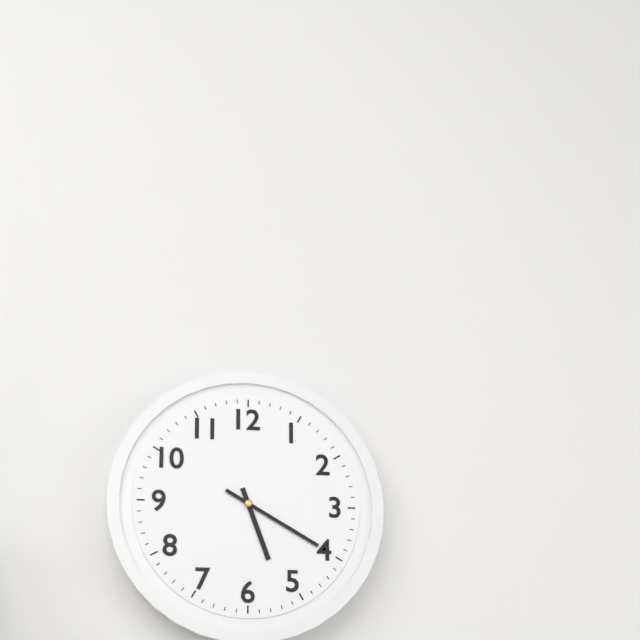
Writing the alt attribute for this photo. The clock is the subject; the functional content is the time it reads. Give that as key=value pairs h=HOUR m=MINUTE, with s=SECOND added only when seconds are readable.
h=5 m=20
